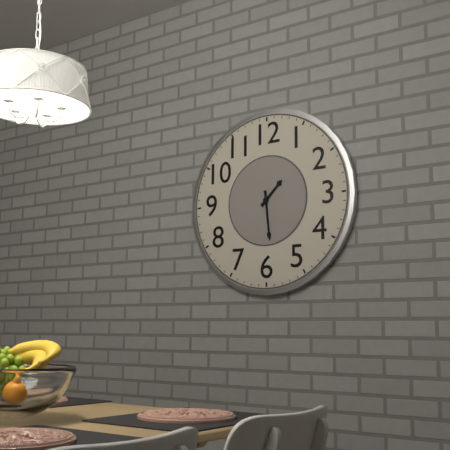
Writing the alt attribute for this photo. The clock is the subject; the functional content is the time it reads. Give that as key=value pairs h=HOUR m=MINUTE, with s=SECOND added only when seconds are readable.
h=1 m=29
